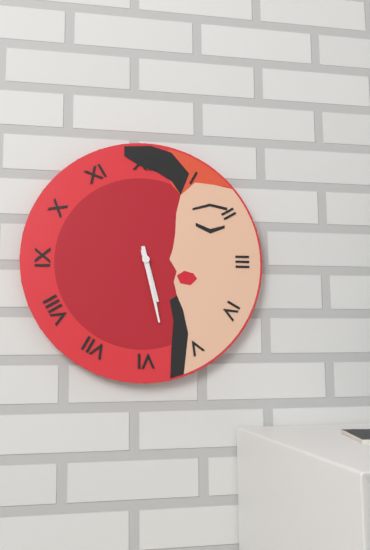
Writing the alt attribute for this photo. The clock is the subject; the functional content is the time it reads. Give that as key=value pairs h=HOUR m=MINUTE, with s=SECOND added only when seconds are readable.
h=5 m=28
